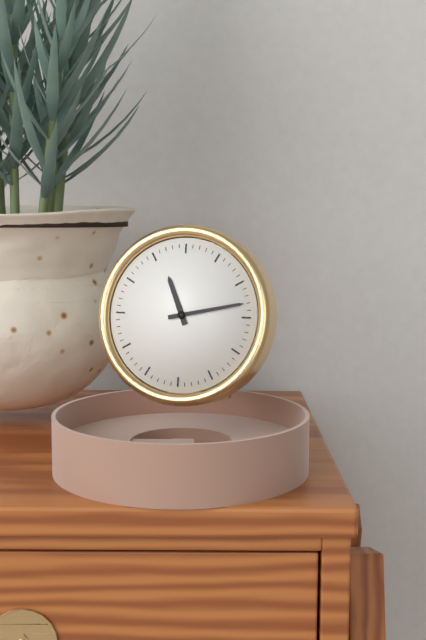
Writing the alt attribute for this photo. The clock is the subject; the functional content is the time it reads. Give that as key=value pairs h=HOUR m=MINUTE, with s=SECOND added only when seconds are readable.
h=11 m=13
